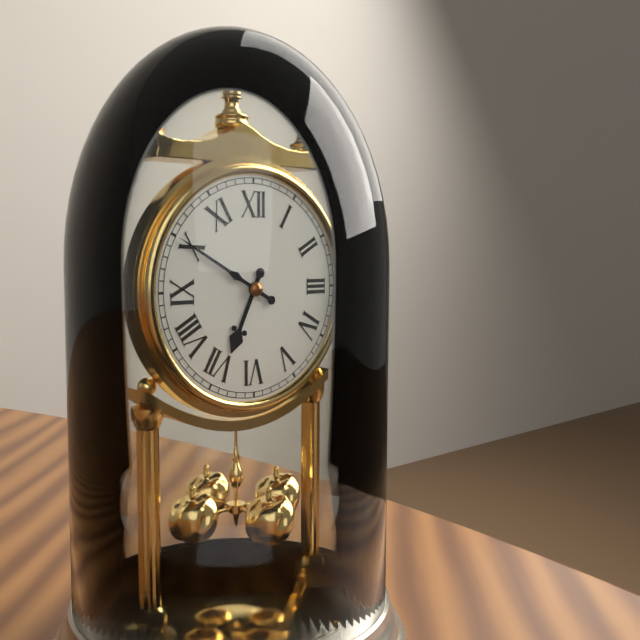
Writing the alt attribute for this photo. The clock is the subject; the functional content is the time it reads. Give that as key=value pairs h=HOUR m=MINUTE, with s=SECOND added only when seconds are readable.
h=6 m=50
